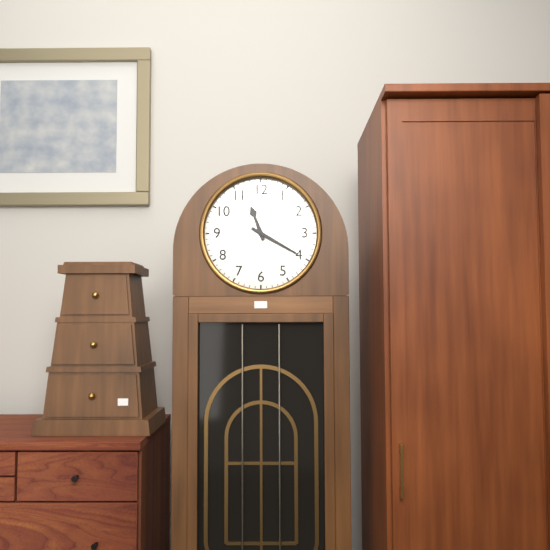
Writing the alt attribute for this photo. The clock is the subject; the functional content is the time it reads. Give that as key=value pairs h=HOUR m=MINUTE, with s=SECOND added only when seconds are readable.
h=11 m=20
